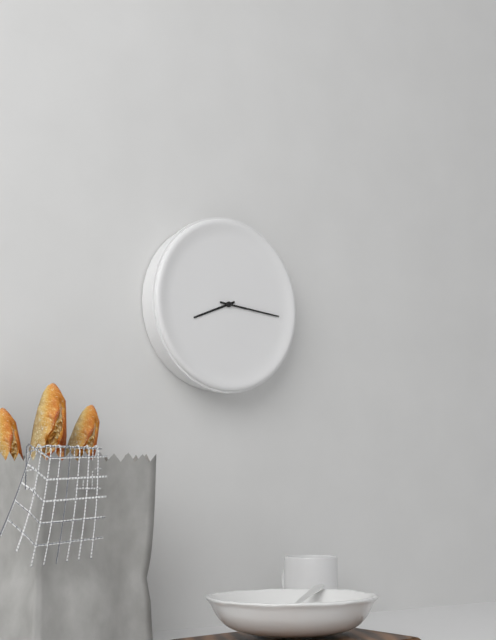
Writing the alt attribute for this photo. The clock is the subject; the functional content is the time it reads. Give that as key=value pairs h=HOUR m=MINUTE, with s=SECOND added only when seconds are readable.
h=8 m=16
